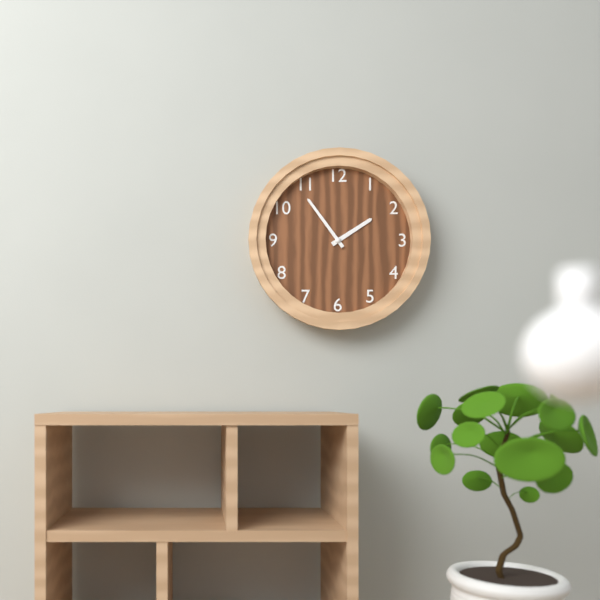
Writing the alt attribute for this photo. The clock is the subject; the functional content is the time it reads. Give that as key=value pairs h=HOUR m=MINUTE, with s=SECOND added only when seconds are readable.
h=1 m=54
